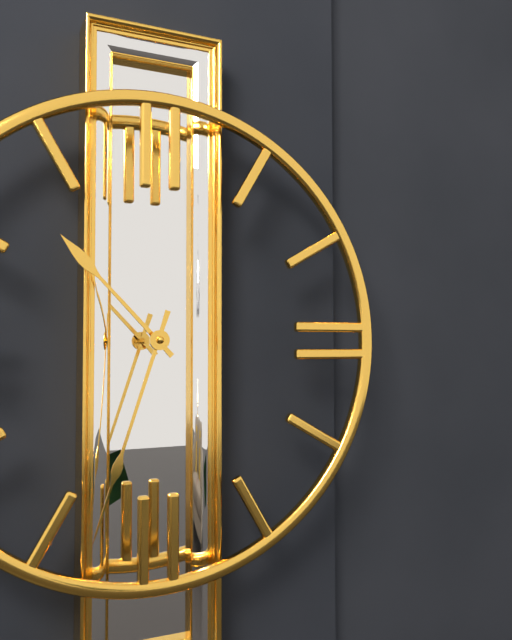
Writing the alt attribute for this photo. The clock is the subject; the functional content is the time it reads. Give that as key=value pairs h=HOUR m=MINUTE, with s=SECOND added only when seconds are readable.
h=10 m=33
